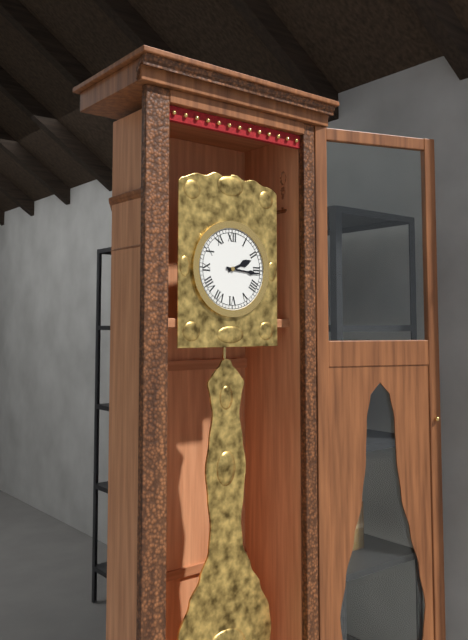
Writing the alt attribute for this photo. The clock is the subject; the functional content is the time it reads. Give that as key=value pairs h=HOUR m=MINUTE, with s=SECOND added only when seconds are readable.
h=2 m=16
